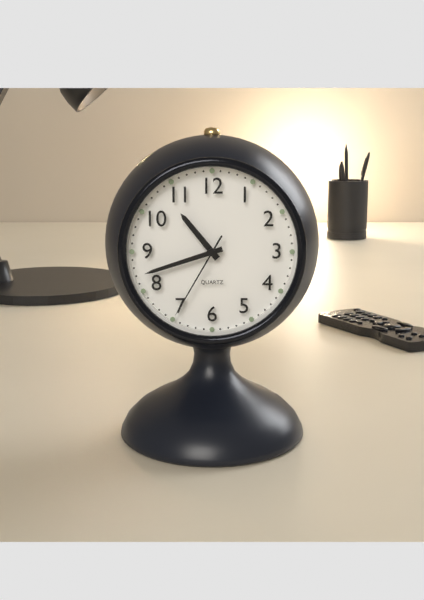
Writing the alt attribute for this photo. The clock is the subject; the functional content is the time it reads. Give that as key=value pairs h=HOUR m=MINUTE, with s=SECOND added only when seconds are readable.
h=10 m=42 s=35
